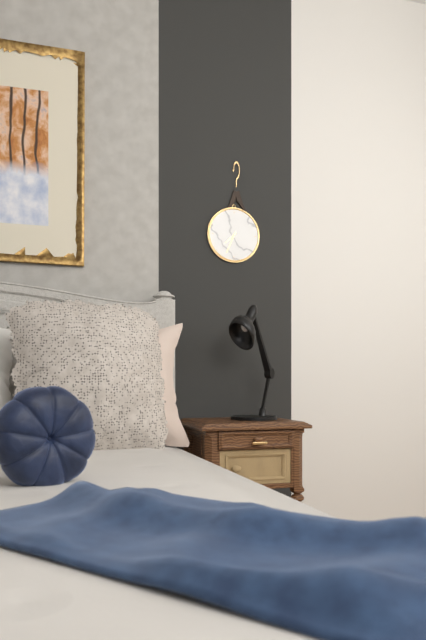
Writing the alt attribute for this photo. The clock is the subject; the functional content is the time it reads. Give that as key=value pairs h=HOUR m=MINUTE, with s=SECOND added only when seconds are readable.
h=7 m=34
